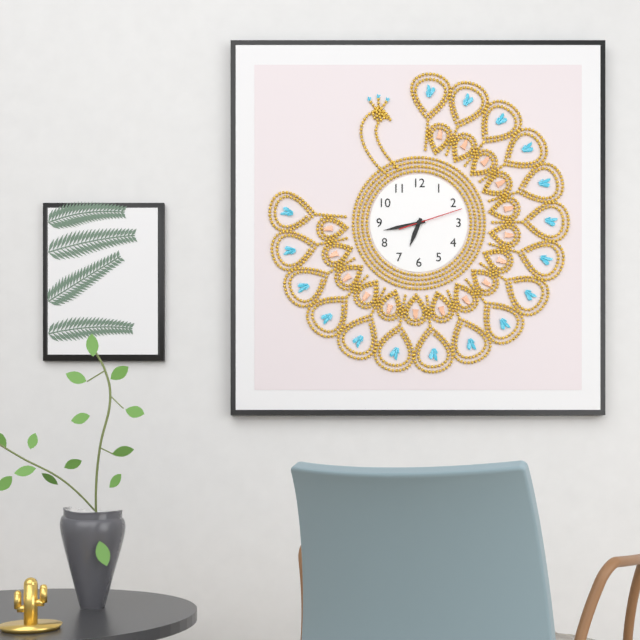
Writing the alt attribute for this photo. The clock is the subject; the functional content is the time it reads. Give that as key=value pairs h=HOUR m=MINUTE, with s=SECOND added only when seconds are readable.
h=6 m=43 s=12
